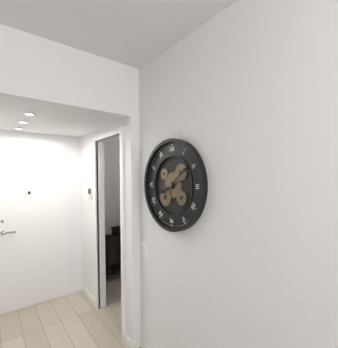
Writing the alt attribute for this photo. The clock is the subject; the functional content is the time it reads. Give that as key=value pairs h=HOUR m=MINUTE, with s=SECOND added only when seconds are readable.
h=8 m=9
